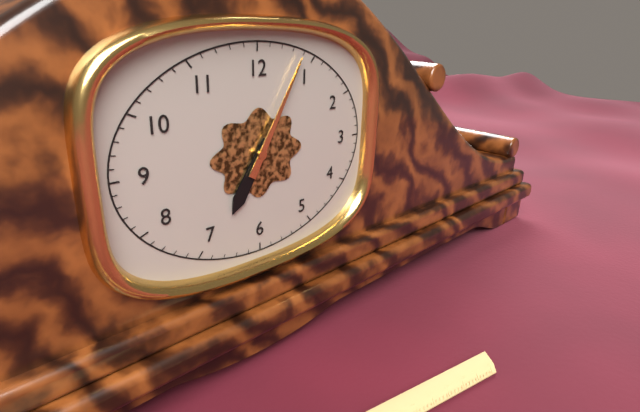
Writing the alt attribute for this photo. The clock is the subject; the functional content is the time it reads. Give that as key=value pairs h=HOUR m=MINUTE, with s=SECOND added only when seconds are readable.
h=7 m=5
